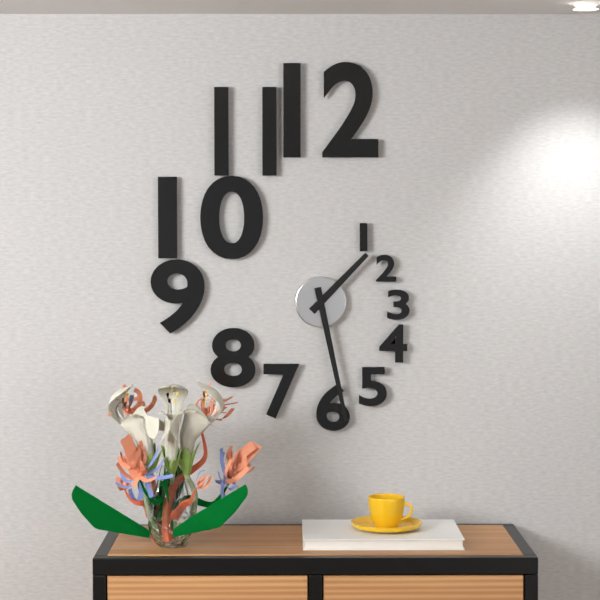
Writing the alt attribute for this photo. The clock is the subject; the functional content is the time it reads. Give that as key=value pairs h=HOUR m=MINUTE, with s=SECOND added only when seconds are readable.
h=1 m=28
